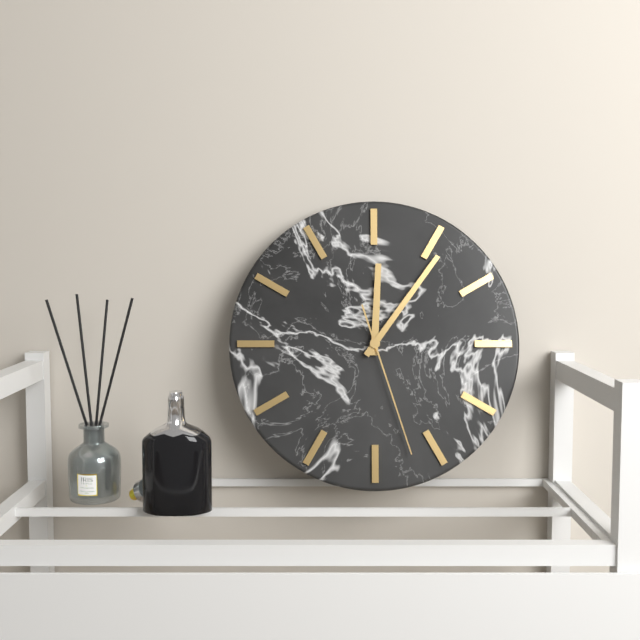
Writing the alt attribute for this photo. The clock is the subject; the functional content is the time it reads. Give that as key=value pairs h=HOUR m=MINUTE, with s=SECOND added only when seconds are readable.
h=12 m=6 s=27
